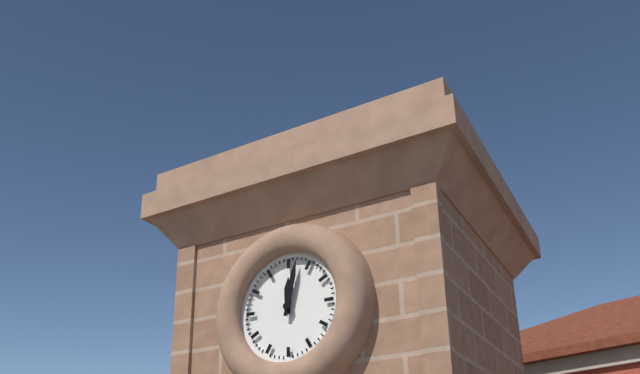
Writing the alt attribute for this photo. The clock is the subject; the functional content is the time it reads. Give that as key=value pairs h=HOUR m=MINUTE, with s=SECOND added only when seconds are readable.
h=12 m=2
